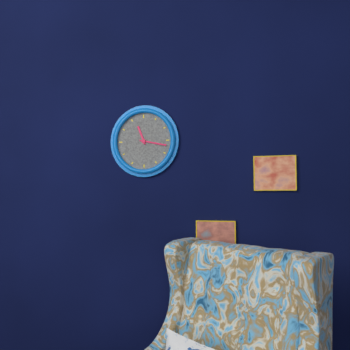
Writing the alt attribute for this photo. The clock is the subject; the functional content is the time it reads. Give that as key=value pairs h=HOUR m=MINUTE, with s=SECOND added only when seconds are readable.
h=11 m=17
